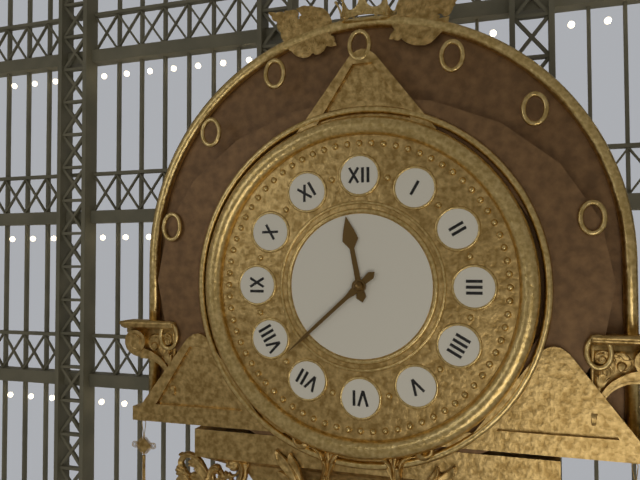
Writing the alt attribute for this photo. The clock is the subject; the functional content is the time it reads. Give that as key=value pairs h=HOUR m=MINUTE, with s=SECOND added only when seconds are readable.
h=11 m=38
